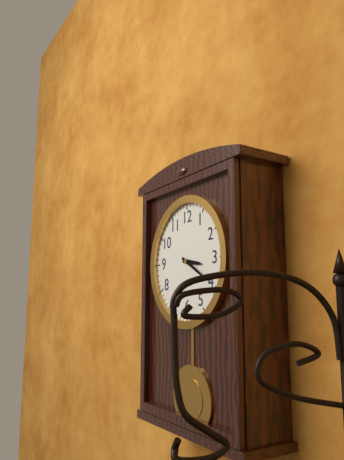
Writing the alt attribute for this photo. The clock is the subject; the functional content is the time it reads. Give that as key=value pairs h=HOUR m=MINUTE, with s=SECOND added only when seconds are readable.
h=3 m=20
